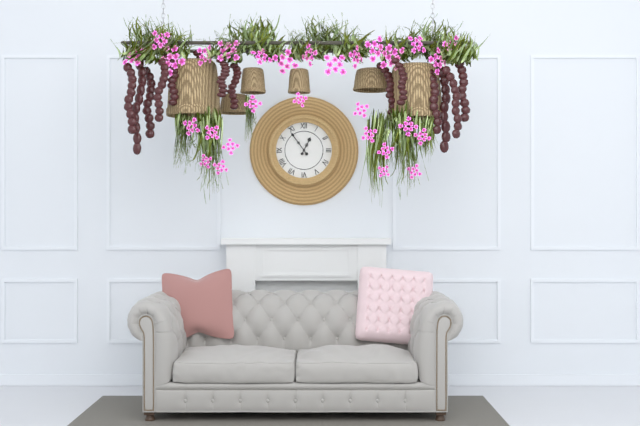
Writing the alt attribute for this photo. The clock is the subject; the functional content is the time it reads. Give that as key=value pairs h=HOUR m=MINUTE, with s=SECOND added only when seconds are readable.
h=12 m=54
